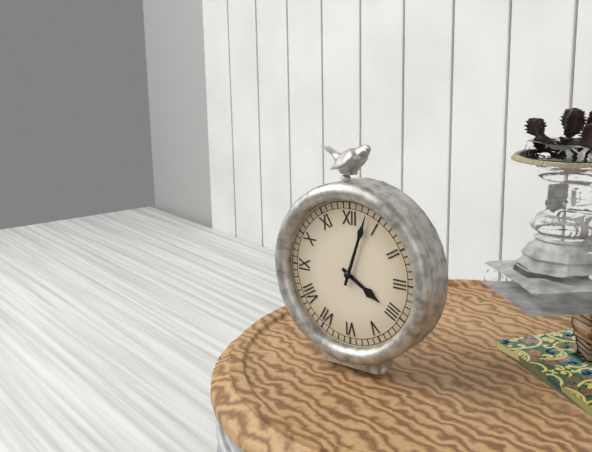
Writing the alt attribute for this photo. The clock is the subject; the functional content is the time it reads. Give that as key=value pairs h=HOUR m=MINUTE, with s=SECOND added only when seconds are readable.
h=4 m=3
